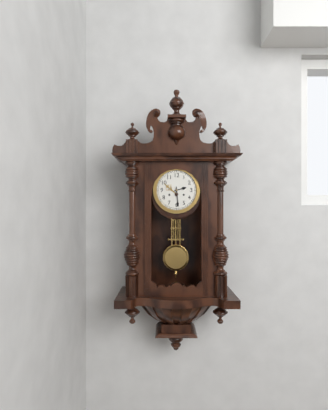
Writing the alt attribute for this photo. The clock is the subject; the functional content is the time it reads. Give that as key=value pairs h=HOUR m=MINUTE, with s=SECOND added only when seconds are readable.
h=2 m=29
